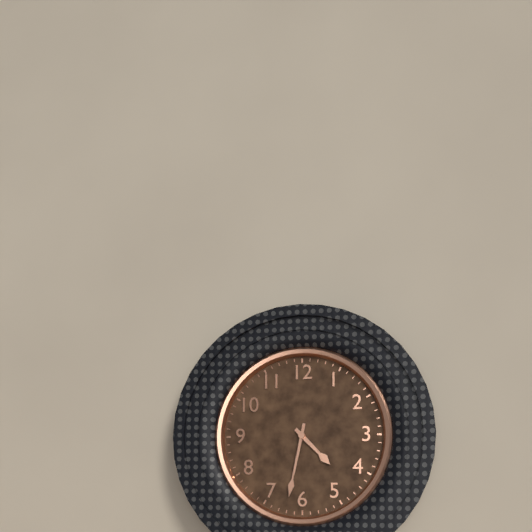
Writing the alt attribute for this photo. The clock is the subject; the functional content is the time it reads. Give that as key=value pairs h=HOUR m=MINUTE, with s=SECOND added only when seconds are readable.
h=4 m=32
